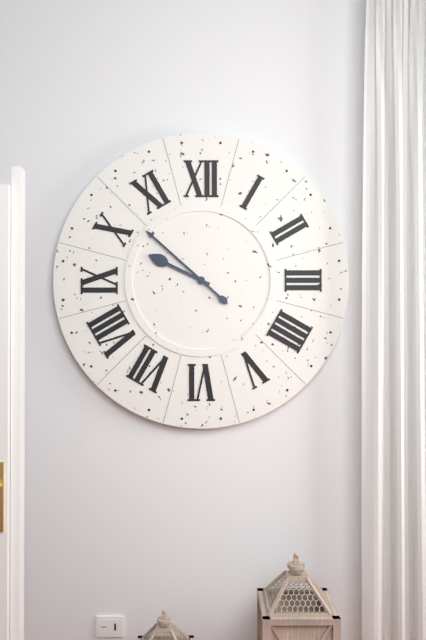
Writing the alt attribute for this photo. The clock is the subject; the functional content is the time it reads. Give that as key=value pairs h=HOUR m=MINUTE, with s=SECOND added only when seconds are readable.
h=9 m=52
